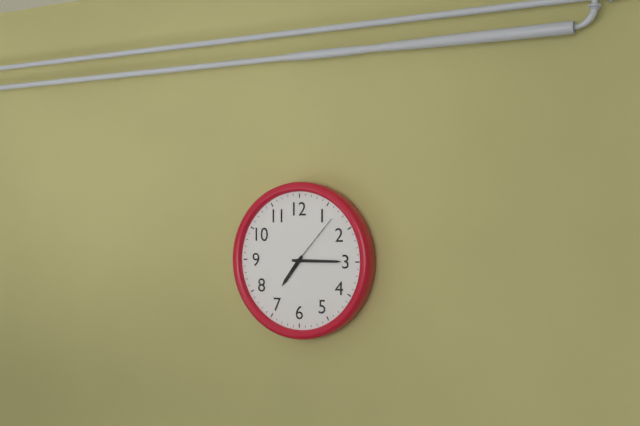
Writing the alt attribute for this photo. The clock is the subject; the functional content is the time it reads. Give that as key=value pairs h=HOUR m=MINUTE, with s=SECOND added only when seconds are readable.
h=7 m=15 s=7
